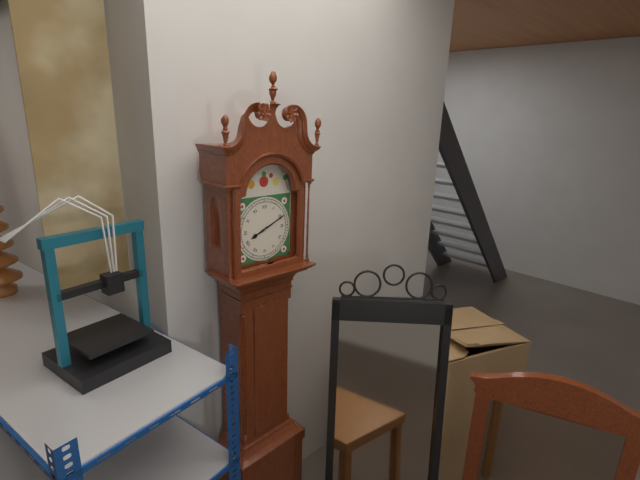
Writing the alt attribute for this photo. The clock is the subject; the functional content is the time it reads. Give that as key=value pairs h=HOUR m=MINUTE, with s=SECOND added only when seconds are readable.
h=8 m=11
